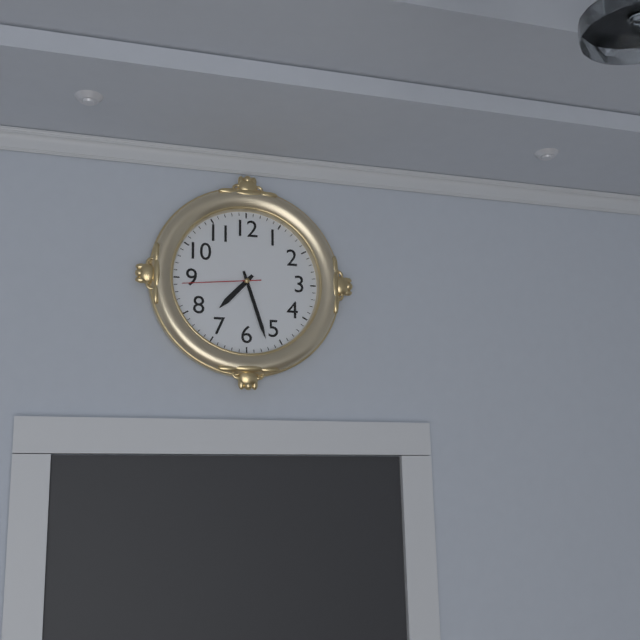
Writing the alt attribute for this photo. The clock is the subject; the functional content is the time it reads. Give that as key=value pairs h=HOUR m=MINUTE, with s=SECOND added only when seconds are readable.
h=7 m=27 s=44
